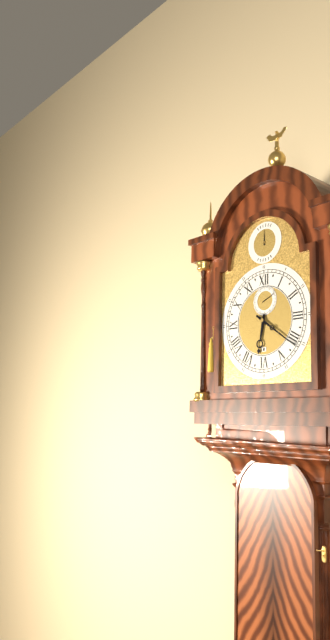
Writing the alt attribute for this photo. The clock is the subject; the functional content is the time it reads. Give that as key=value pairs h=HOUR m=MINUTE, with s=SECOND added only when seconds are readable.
h=6 m=21
